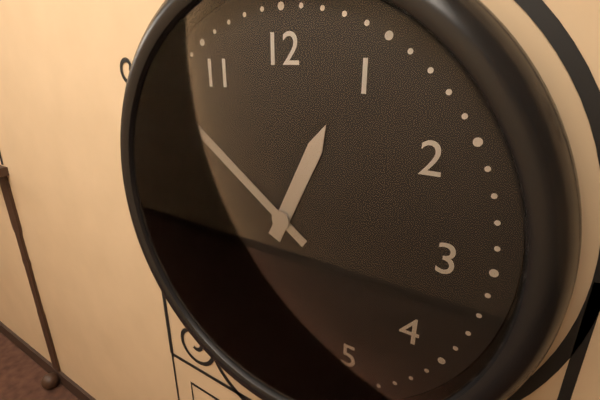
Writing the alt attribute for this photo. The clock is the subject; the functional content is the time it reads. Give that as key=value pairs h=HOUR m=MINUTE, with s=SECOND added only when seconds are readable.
h=12 m=51
